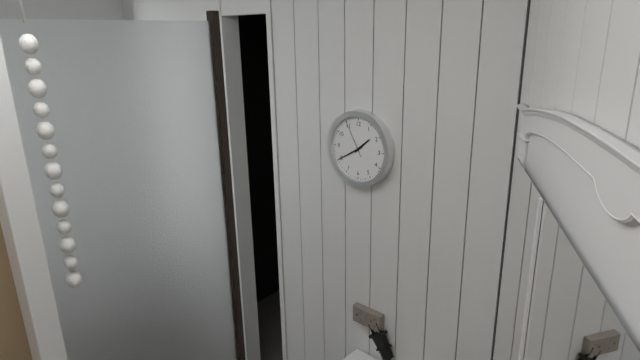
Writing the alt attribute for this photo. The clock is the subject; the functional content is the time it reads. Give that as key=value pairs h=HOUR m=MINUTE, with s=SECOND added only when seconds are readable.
h=1 m=40
